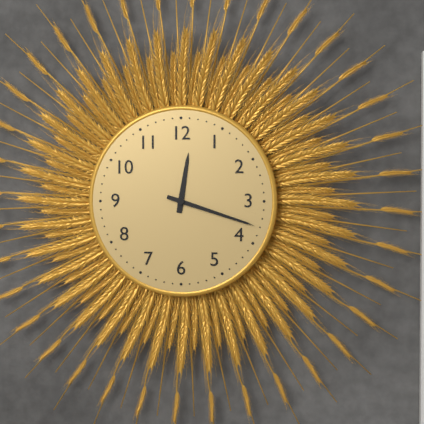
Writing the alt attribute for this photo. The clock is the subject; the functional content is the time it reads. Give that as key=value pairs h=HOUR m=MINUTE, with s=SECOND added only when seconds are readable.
h=12 m=18
